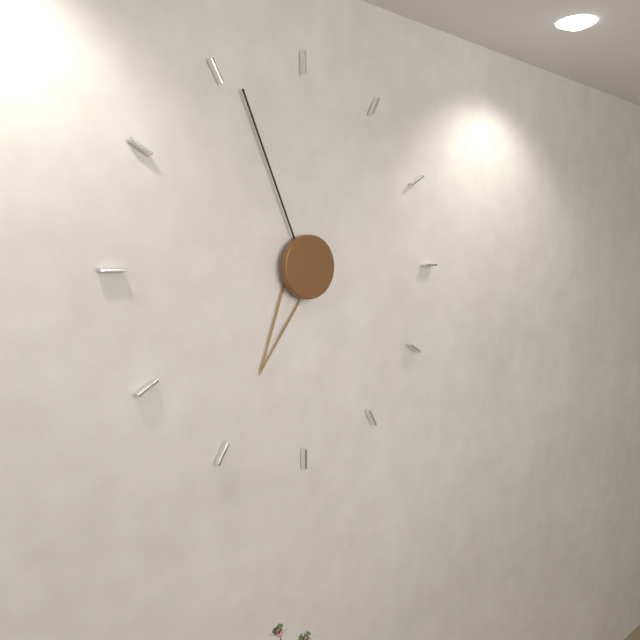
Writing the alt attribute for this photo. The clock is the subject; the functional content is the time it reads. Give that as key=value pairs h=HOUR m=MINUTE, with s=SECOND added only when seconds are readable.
h=6 m=56
